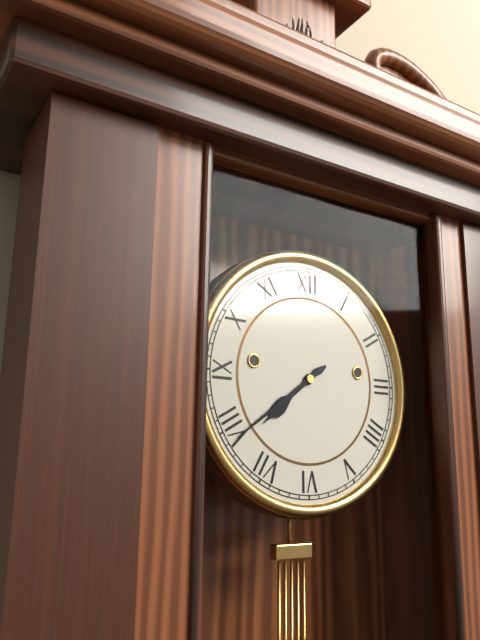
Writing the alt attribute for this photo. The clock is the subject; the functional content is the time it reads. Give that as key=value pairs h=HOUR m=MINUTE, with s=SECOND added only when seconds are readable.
h=7 m=39
